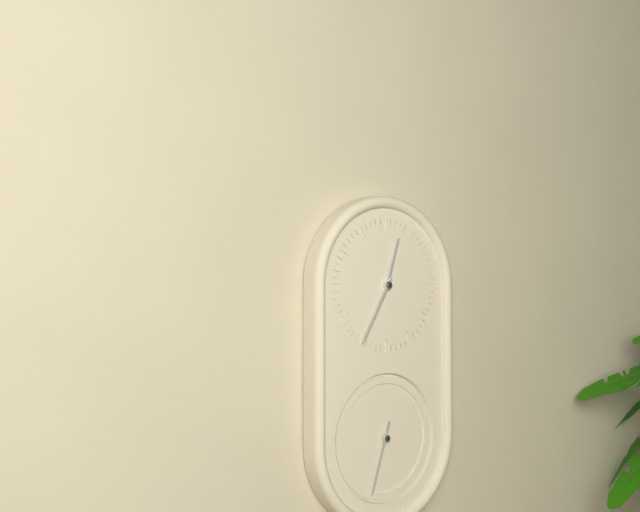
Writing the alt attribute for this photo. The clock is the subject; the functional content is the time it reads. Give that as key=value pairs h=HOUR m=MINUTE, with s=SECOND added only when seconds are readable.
h=12 m=35 s=33
